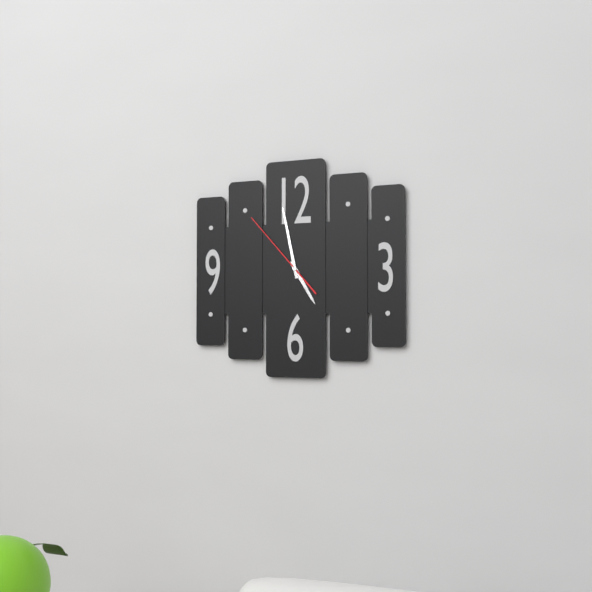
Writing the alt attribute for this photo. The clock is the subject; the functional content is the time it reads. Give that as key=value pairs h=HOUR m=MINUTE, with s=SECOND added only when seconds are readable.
h=4 m=58 s=53
